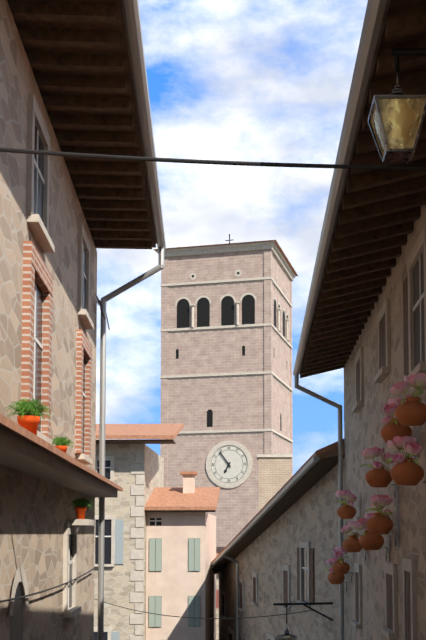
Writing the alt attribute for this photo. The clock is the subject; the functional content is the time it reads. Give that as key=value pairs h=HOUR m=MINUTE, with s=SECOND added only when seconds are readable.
h=6 m=54
